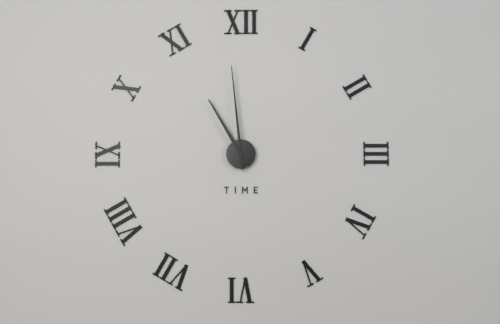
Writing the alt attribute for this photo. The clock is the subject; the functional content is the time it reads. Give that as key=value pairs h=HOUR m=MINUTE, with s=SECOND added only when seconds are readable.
h=10 m=59
